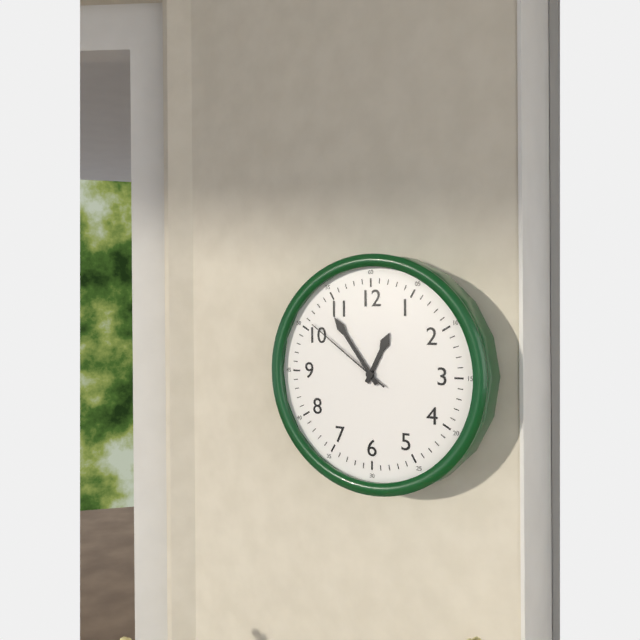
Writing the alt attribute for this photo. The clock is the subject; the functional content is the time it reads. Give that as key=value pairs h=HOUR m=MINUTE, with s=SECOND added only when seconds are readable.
h=12 m=54 s=51
